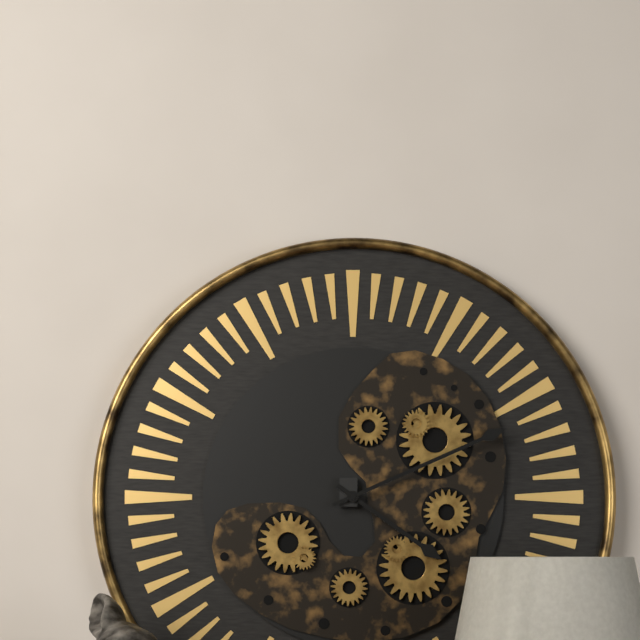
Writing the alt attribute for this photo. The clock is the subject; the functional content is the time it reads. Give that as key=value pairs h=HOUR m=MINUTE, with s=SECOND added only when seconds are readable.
h=4 m=11
